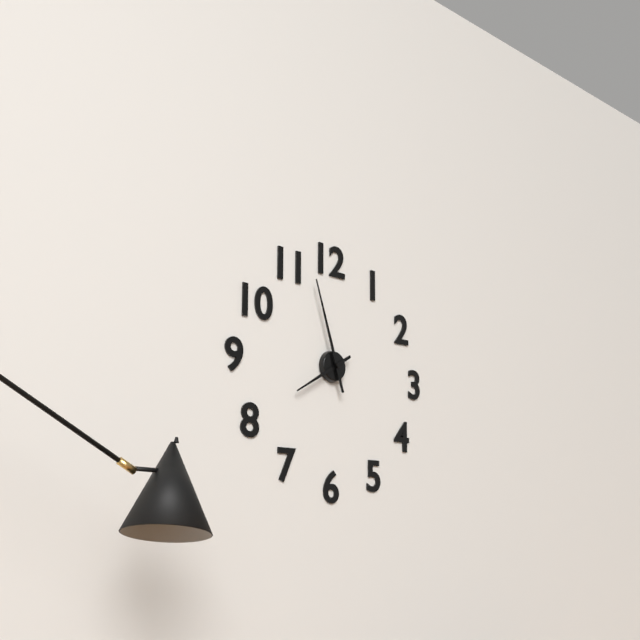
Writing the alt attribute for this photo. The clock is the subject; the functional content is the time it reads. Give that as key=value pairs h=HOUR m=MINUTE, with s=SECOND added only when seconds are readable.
h=7 m=57
